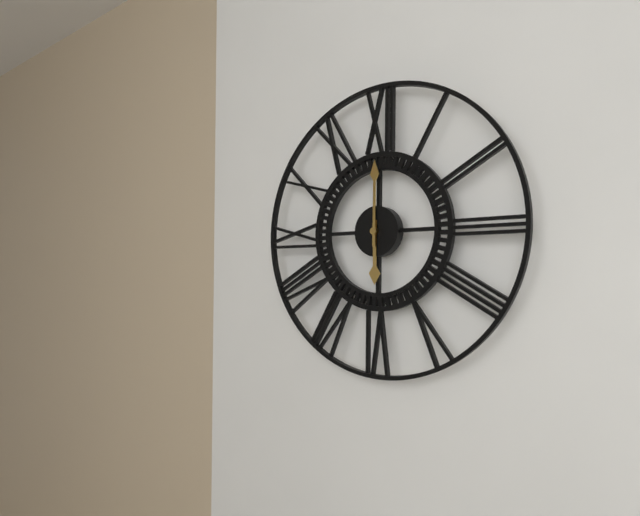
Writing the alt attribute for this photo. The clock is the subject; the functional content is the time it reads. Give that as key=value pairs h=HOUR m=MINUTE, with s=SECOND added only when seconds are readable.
h=6 m=0
